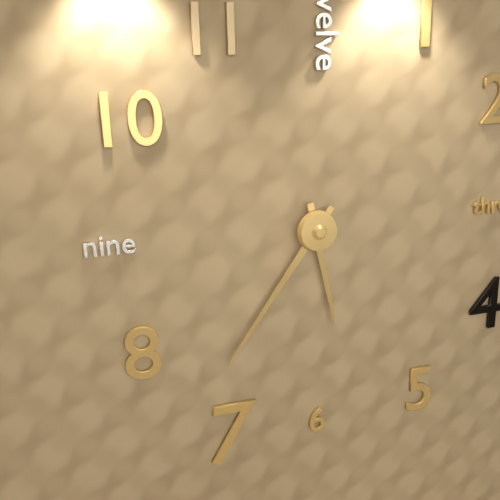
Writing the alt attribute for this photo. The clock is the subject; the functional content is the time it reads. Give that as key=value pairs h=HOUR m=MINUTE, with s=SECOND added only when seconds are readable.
h=5 m=36
